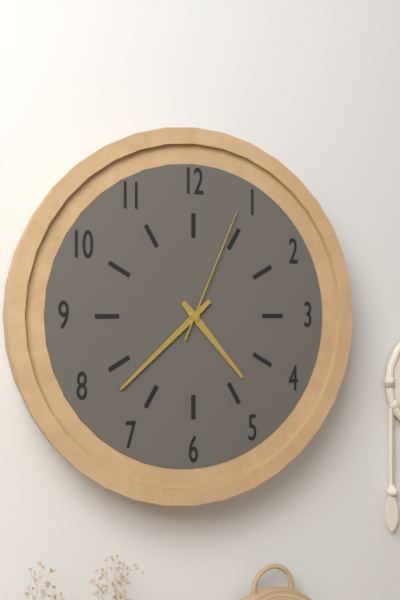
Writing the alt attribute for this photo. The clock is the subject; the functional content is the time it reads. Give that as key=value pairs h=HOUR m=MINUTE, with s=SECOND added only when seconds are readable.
h=4 m=38 s=4
